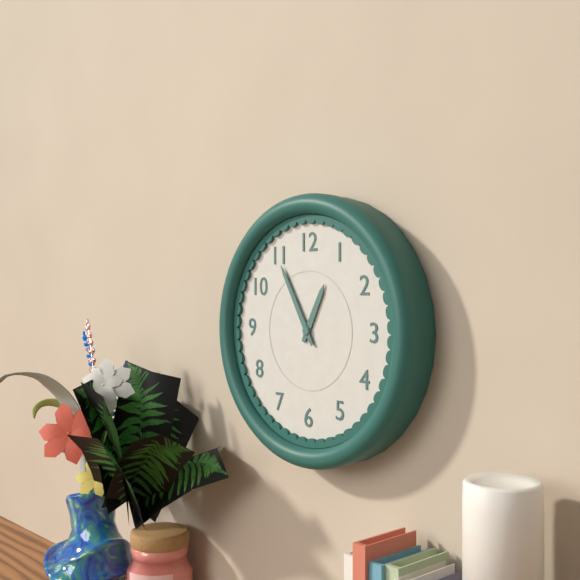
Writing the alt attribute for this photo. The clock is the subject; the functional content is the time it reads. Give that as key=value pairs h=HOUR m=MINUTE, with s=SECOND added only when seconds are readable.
h=12 m=55
